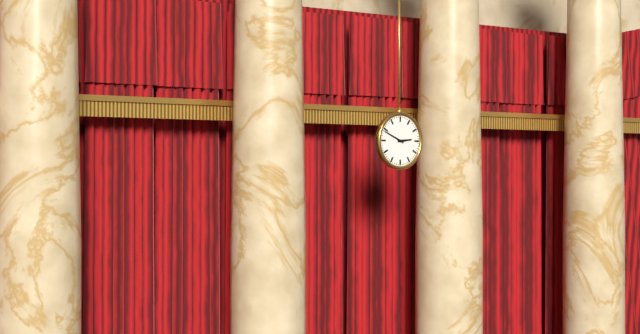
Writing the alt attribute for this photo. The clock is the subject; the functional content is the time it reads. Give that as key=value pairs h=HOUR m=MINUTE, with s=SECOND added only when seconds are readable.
h=2 m=49
